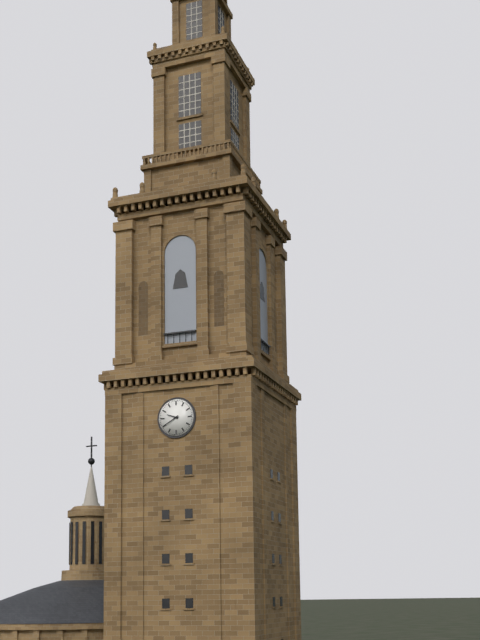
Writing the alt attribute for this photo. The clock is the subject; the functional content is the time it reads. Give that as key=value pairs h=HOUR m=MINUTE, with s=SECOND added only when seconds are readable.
h=9 m=40
